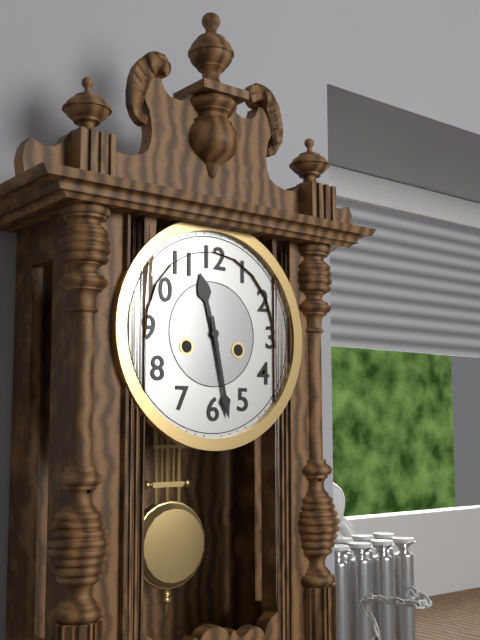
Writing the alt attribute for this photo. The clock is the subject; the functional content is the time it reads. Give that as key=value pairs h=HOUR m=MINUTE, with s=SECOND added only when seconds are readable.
h=11 m=28
